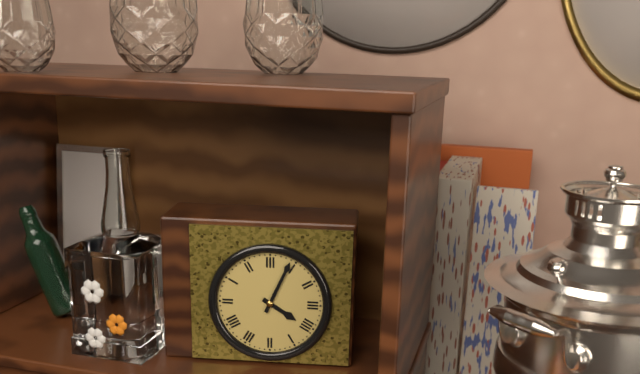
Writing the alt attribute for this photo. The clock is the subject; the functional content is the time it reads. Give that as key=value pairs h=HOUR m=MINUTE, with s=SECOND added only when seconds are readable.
h=4 m=4
